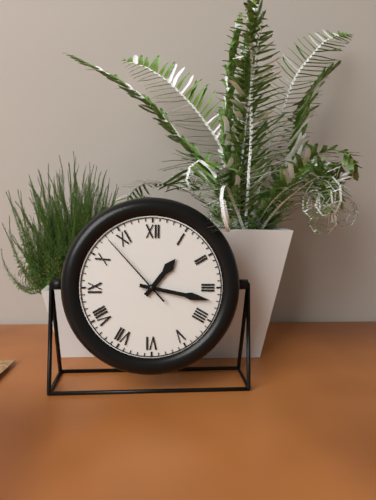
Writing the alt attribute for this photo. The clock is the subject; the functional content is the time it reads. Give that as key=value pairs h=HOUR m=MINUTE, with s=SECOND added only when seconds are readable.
h=1 m=17 s=53
